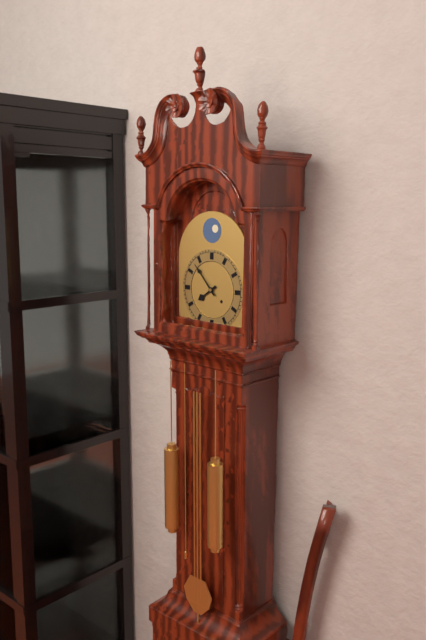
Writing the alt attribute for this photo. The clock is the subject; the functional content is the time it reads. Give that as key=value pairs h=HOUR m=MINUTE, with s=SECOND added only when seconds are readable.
h=7 m=53
